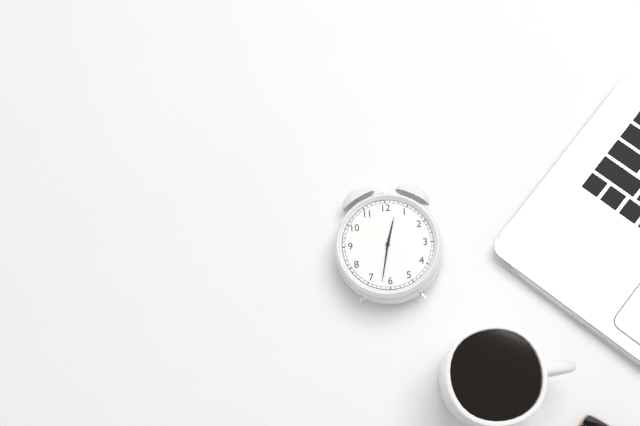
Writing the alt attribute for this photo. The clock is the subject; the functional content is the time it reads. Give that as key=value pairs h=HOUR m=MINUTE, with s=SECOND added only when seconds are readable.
h=12 m=32
